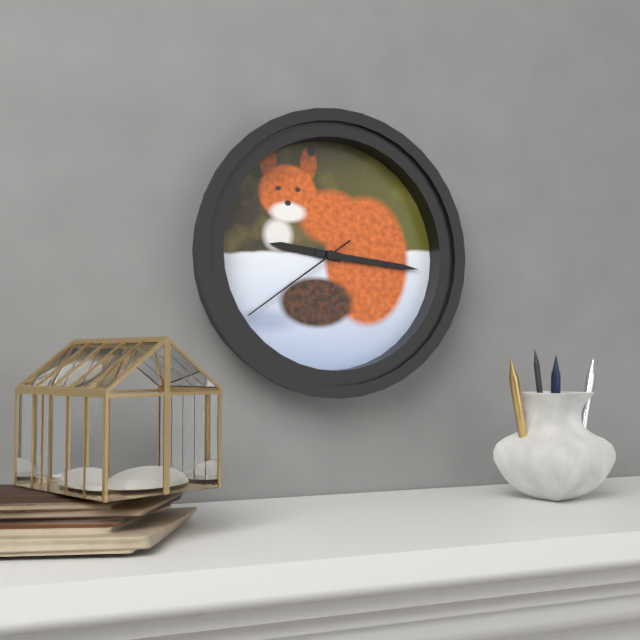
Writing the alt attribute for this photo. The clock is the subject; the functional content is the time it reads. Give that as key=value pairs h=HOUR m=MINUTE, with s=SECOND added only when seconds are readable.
h=9 m=16 s=39
